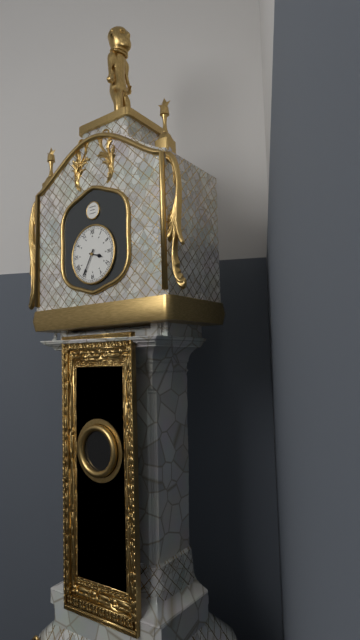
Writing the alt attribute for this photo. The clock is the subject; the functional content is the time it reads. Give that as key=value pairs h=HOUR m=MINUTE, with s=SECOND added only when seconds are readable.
h=3 m=35
